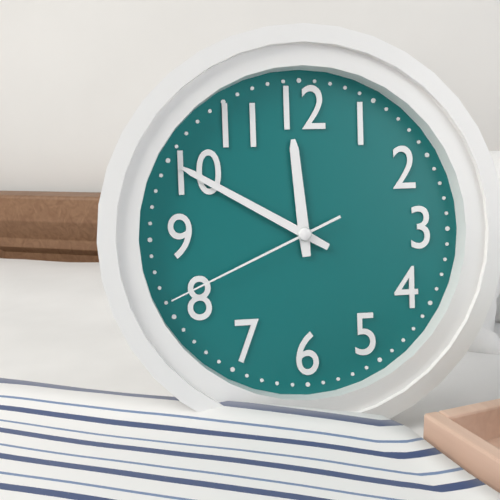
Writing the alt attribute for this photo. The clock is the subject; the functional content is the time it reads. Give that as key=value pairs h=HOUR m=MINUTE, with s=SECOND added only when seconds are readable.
h=11 m=50 s=41
